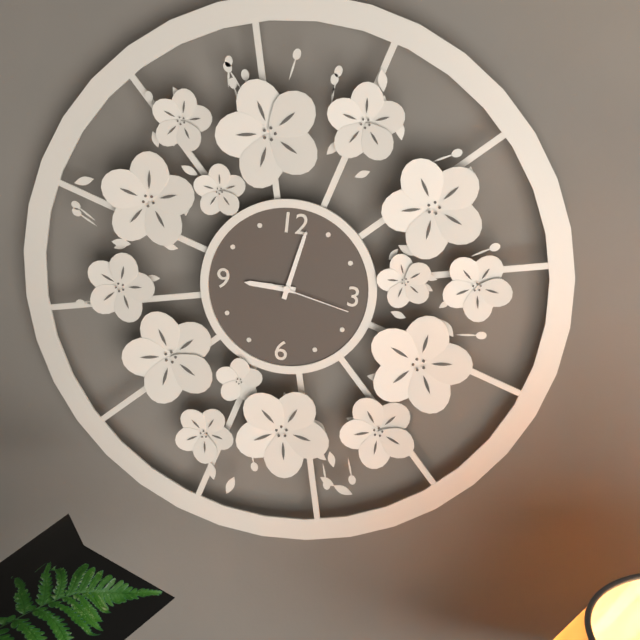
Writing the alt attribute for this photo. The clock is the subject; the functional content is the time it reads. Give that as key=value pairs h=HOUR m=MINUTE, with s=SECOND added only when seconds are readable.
h=9 m=2 s=17
